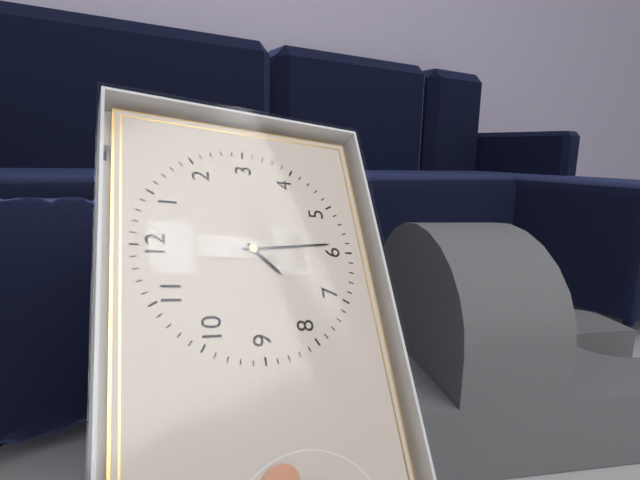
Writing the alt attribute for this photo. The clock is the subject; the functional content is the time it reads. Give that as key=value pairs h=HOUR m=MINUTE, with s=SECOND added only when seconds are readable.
h=7 m=29
